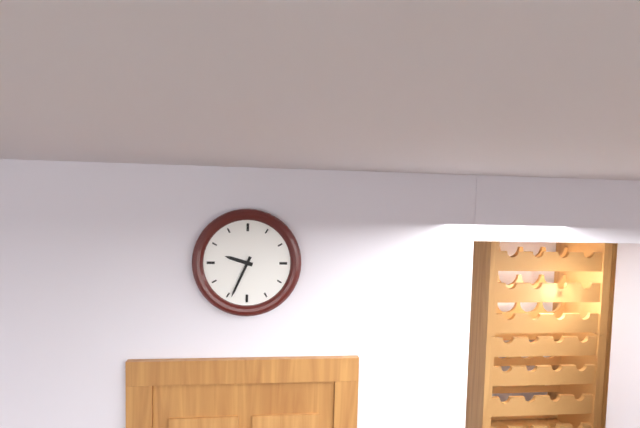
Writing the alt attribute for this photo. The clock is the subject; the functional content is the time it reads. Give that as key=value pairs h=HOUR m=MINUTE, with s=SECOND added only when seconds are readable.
h=9 m=34
